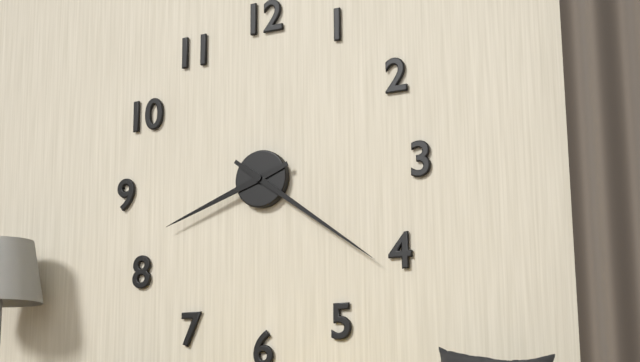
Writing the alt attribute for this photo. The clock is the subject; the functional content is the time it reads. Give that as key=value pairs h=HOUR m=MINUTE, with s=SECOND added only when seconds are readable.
h=8 m=21
